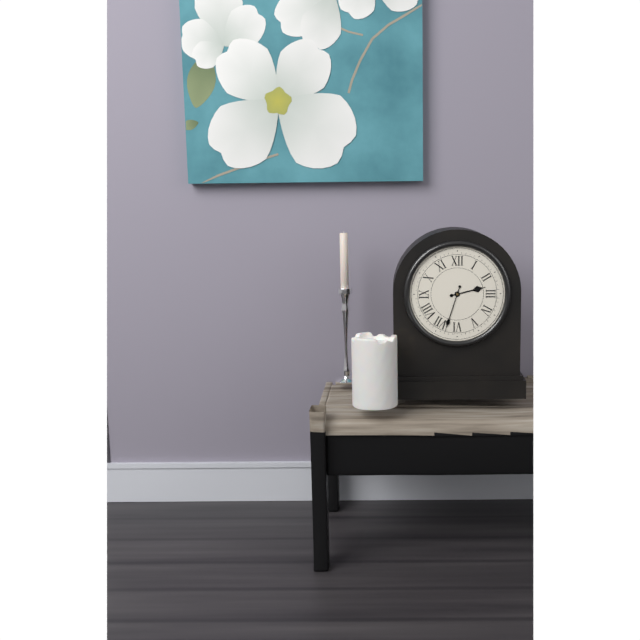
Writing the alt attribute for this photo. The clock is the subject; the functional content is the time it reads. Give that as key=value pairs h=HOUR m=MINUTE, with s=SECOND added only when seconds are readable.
h=2 m=33
